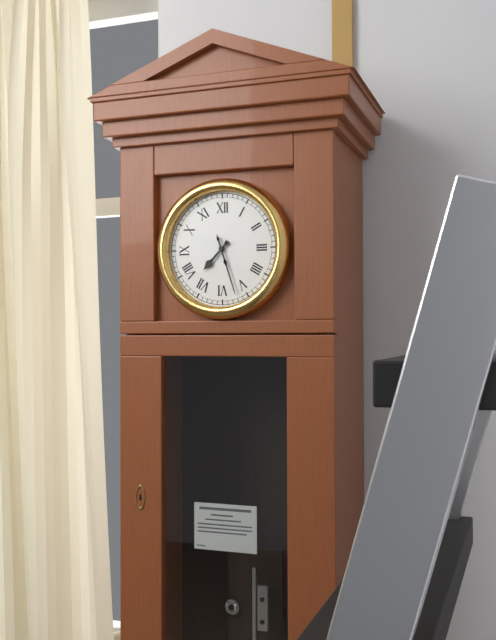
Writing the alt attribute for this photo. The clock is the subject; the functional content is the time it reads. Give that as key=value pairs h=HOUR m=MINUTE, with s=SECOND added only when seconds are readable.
h=7 m=27
